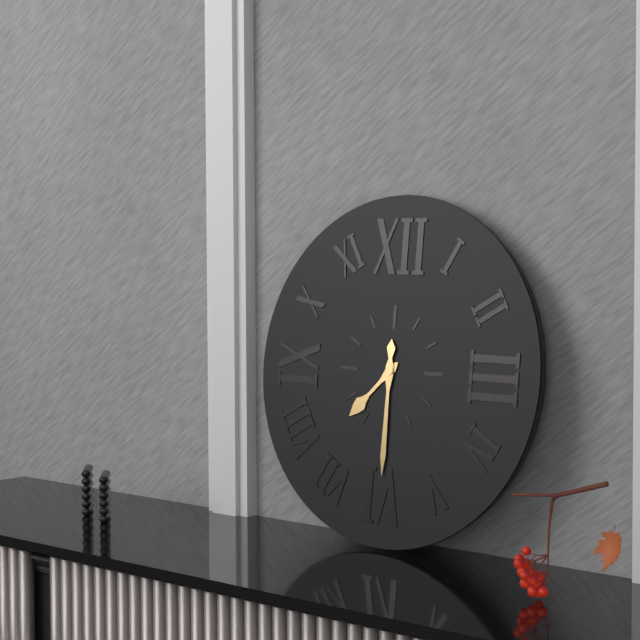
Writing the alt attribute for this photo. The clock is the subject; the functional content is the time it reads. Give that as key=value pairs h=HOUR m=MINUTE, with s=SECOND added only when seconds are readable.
h=7 m=30
